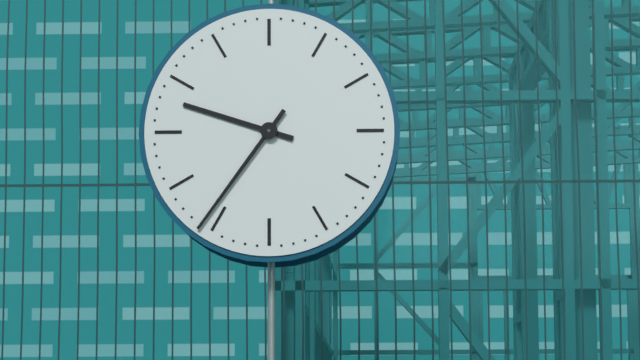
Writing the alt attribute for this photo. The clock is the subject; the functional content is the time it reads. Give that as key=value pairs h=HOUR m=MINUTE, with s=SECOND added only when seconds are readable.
h=9 m=36
